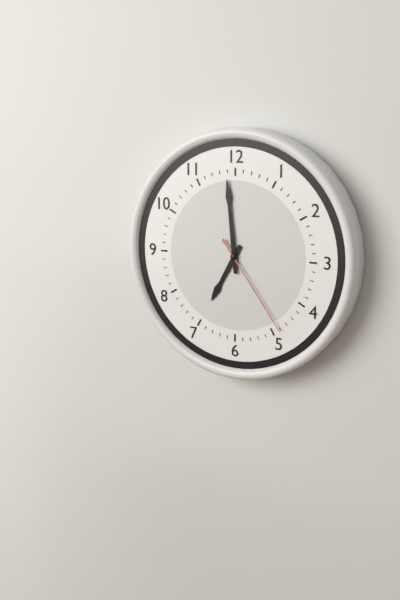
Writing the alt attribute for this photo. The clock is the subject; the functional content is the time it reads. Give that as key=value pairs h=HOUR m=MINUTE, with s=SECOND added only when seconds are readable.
h=6 m=59 s=24
